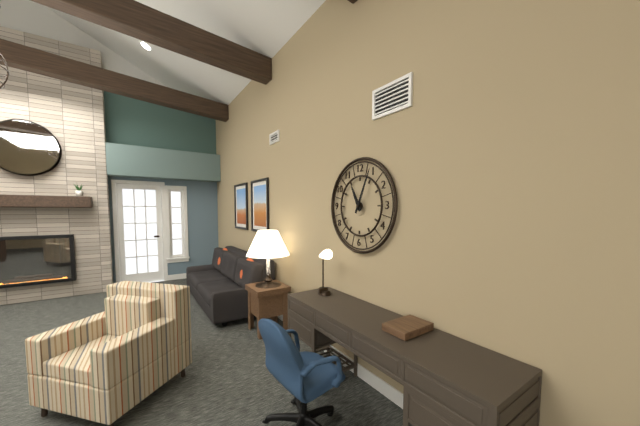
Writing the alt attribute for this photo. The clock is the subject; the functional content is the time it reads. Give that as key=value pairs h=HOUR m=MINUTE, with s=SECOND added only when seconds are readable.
h=11 m=4
